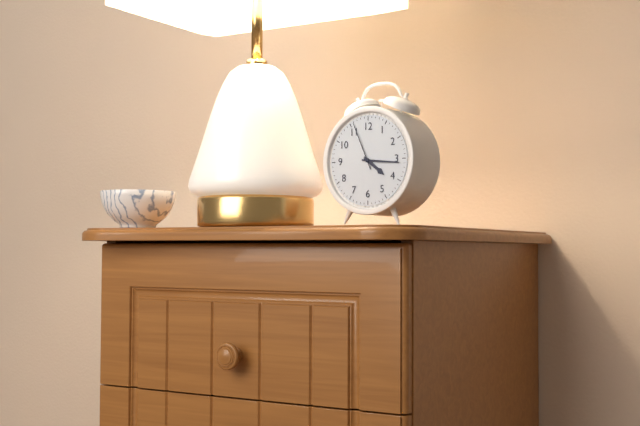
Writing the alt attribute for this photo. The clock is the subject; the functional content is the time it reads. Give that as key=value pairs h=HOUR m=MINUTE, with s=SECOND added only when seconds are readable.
h=4 m=16 s=56
